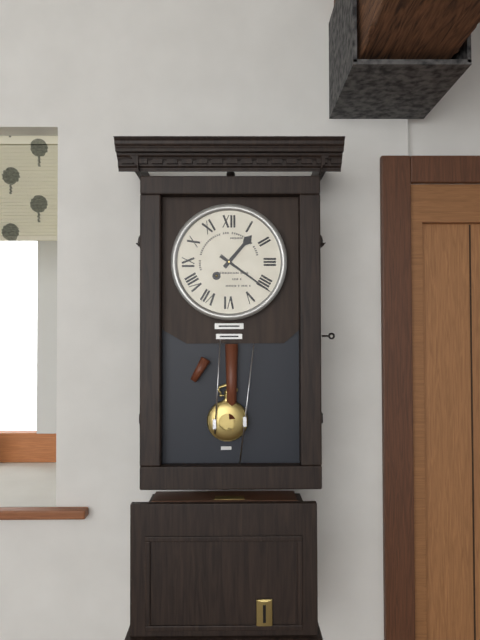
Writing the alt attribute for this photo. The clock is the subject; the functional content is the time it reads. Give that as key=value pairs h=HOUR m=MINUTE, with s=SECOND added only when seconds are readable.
h=1 m=21
